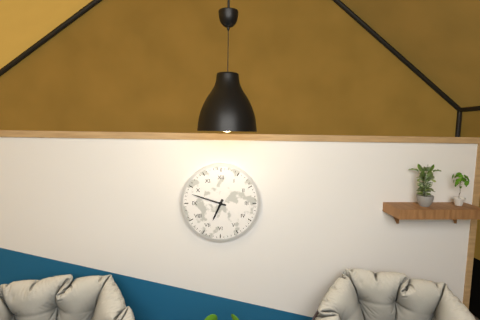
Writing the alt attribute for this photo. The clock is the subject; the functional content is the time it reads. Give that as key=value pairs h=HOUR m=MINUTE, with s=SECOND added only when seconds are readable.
h=6 m=48
